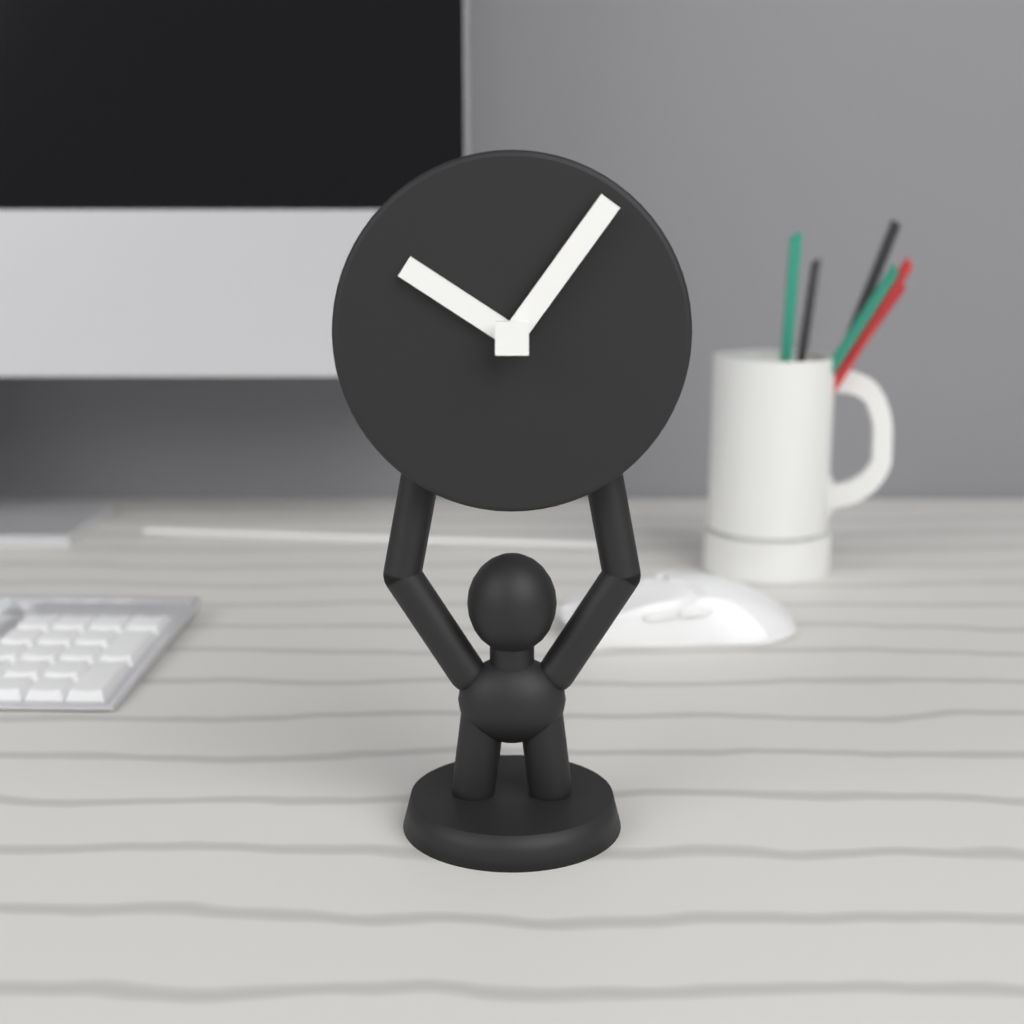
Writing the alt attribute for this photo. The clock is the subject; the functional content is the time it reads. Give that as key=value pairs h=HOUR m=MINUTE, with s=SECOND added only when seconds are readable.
h=10 m=6
